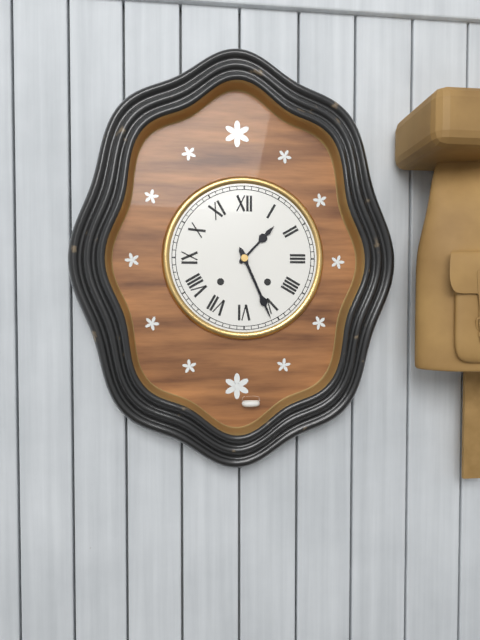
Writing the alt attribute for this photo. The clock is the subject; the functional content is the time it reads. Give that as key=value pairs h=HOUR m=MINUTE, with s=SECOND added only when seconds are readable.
h=1 m=26
